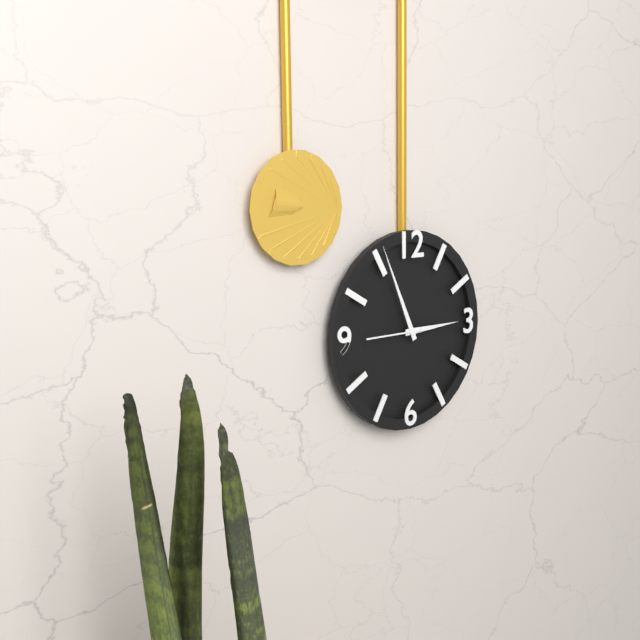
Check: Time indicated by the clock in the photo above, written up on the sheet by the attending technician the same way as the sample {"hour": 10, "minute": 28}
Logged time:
{"hour": 2, "minute": 56}
